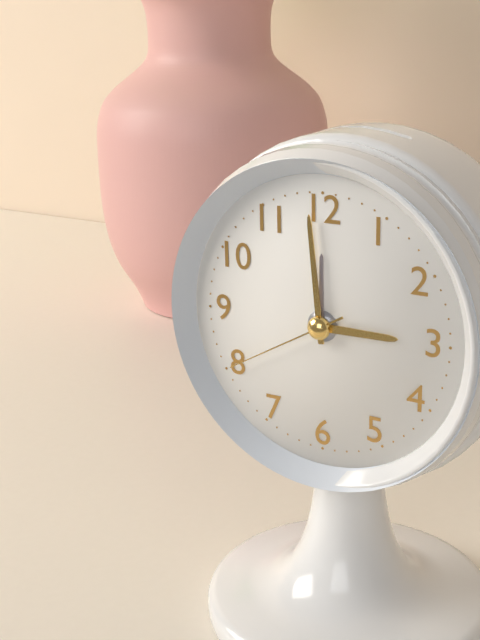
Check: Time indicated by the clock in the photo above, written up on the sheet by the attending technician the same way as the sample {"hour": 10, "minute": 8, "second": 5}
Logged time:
{"hour": 2, "minute": 59, "second": 40}
